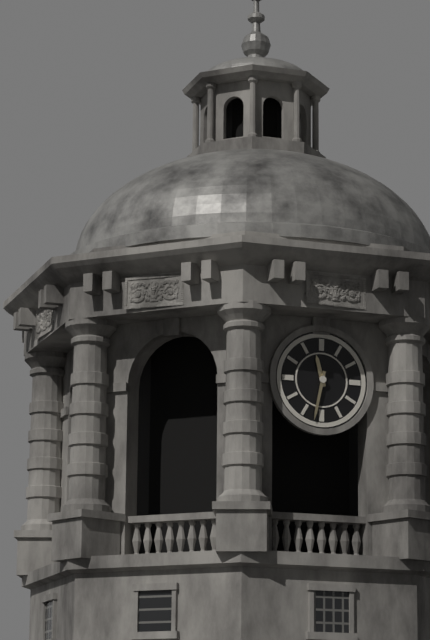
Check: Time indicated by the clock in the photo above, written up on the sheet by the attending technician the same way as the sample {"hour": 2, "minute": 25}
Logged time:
{"hour": 11, "minute": 32}
